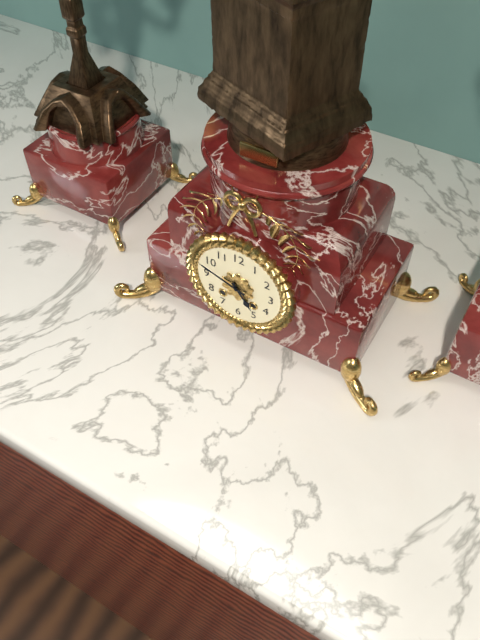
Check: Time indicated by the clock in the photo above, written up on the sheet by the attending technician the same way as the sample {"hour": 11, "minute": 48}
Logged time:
{"hour": 4, "minute": 48}
